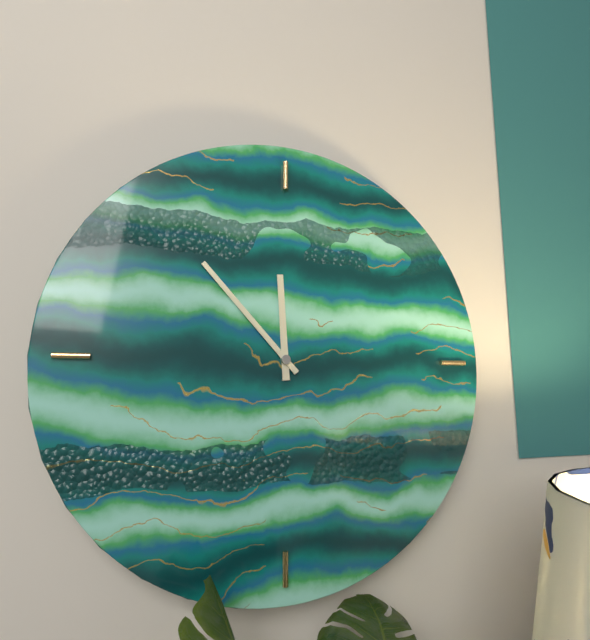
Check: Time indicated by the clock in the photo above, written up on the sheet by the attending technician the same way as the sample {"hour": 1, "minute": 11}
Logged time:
{"hour": 11, "minute": 53}
